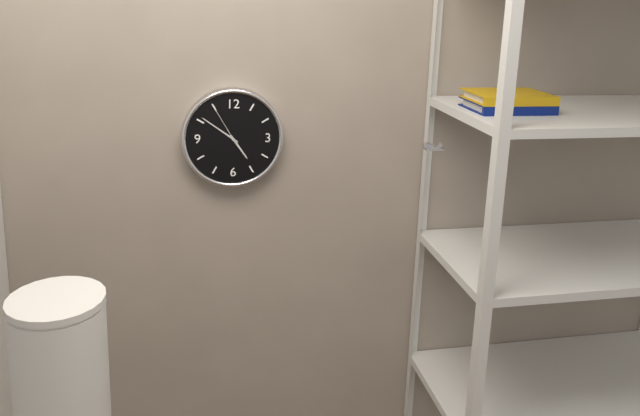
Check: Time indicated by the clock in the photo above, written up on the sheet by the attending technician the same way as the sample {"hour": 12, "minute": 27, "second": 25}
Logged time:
{"hour": 4, "minute": 51, "second": 55}
